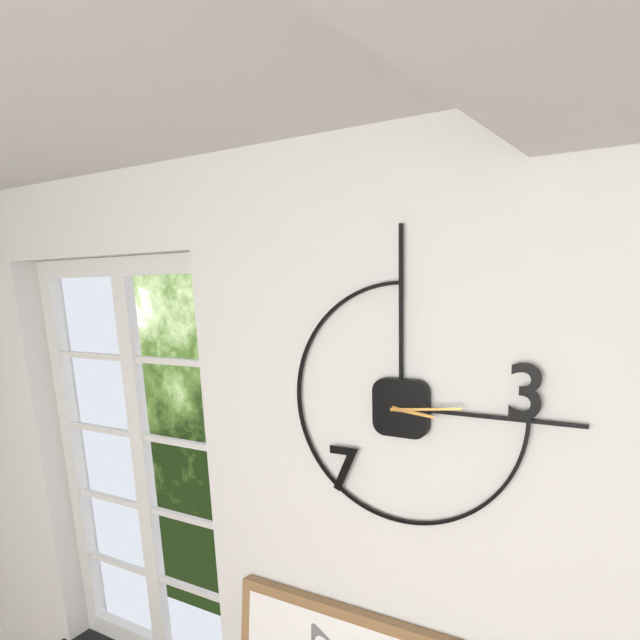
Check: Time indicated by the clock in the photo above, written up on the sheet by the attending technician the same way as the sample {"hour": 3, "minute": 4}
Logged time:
{"hour": 3, "minute": 14}
